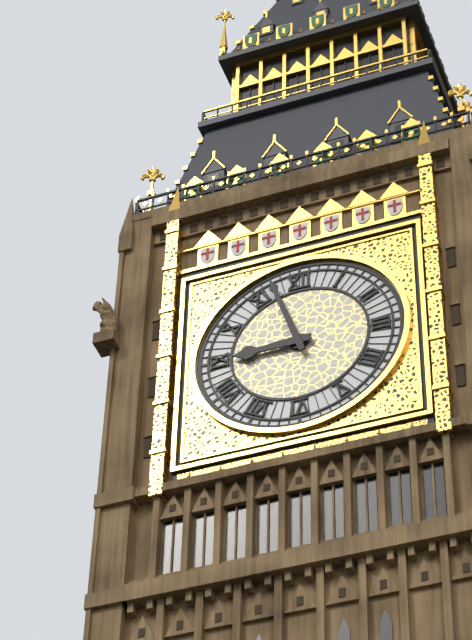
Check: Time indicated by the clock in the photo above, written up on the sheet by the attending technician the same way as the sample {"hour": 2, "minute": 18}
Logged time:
{"hour": 8, "minute": 57}
